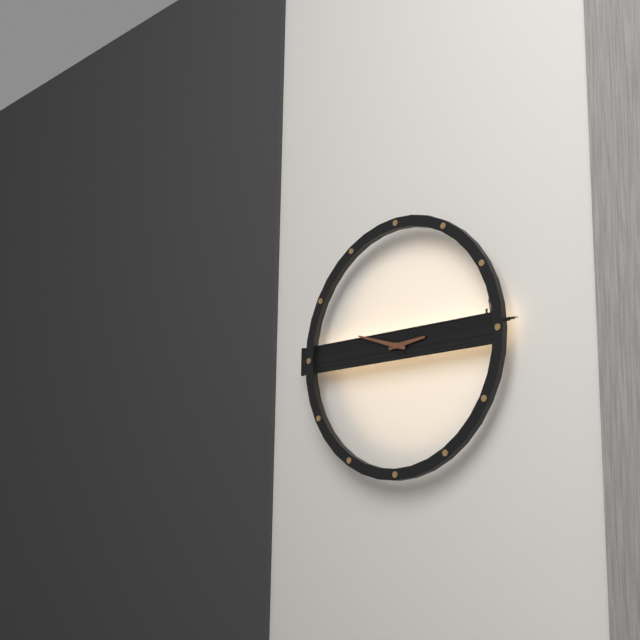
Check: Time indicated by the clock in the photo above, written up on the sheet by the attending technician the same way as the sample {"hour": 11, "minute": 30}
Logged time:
{"hour": 2, "minute": 48}
